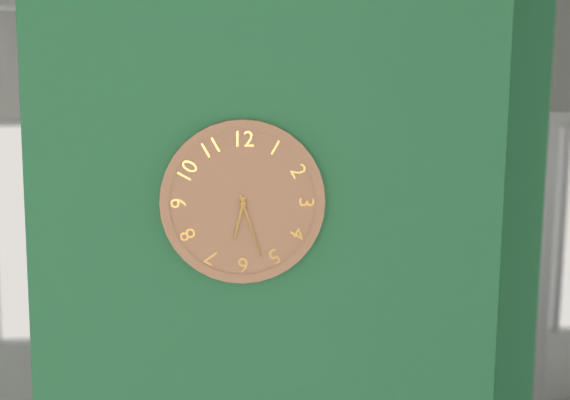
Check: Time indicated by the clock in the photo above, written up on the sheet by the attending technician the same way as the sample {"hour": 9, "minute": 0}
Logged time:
{"hour": 6, "minute": 27}
